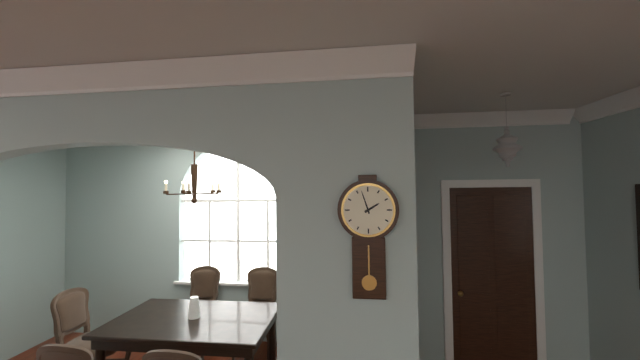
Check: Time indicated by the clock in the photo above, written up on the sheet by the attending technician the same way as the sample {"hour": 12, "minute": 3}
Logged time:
{"hour": 1, "minute": 57}
